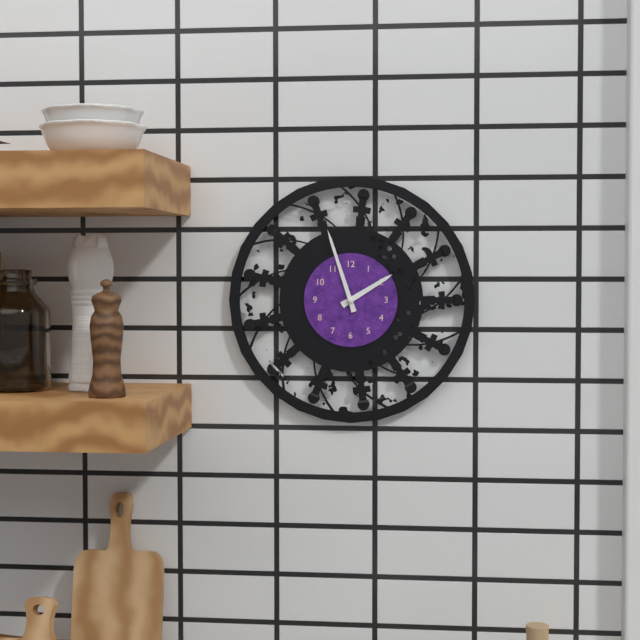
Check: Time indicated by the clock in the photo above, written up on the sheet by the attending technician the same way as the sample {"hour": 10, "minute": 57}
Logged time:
{"hour": 1, "minute": 57}
